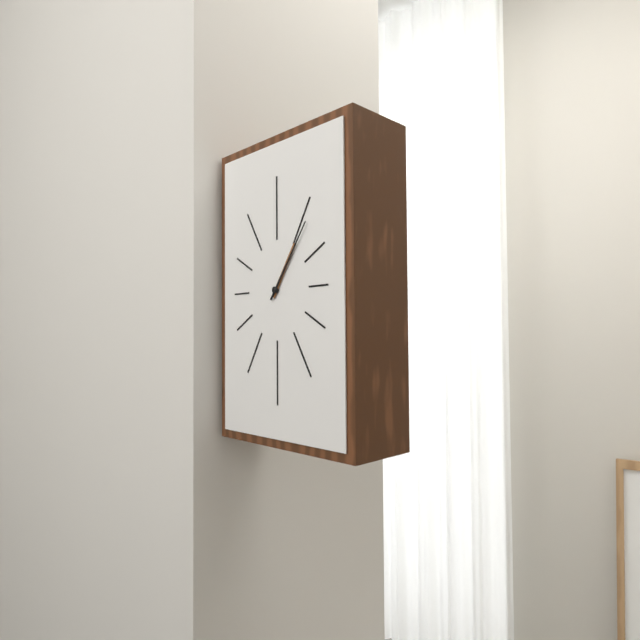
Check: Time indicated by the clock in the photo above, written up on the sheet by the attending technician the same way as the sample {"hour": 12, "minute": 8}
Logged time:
{"hour": 1, "minute": 6}
